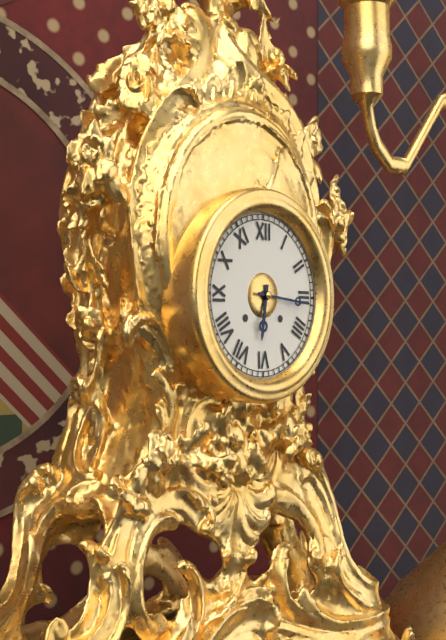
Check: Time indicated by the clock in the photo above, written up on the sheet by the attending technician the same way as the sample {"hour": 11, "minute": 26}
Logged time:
{"hour": 6, "minute": 16}
